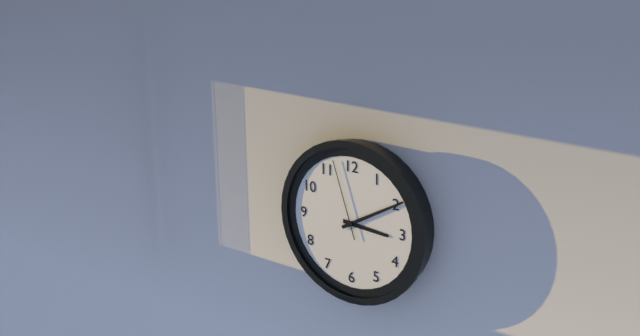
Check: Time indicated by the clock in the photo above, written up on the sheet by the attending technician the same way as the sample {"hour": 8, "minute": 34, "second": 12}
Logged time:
{"hour": 3, "minute": 10, "second": 57}
